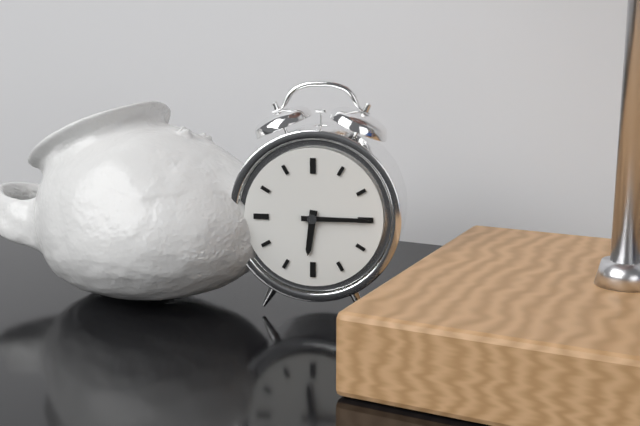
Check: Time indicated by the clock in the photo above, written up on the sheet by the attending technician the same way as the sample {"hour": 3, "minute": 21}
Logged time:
{"hour": 6, "minute": 15}
